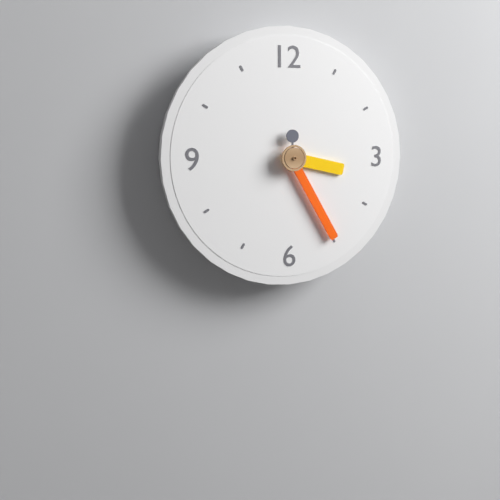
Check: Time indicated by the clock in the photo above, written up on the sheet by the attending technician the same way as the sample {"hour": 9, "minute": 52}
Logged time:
{"hour": 3, "minute": 25}
